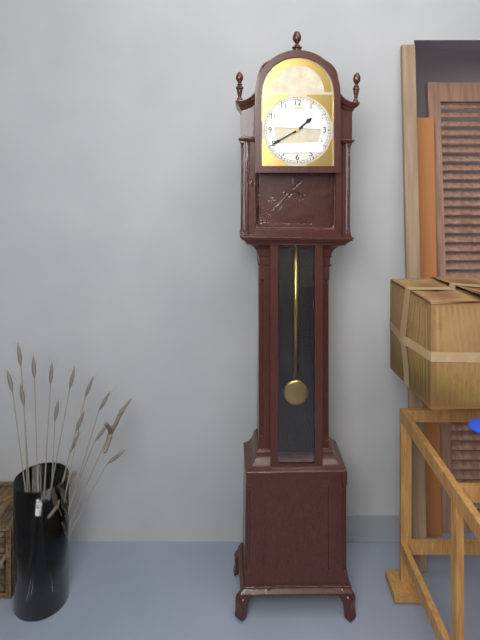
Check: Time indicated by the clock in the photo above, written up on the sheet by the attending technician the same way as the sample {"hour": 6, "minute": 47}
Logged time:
{"hour": 1, "minute": 40}
